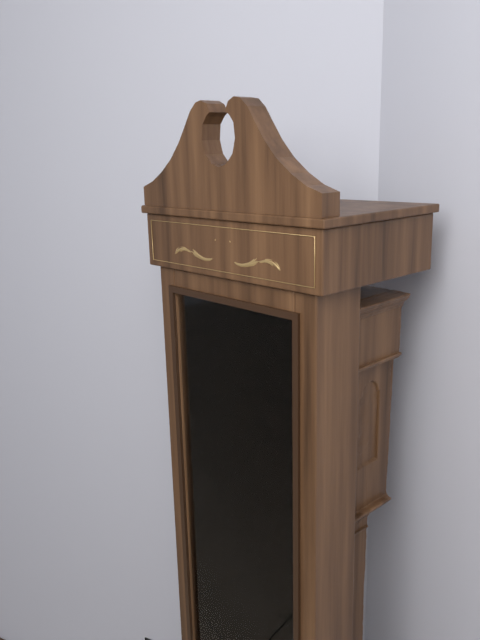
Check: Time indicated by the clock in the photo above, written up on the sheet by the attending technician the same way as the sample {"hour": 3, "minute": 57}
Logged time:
{"hour": 6, "minute": 49}
